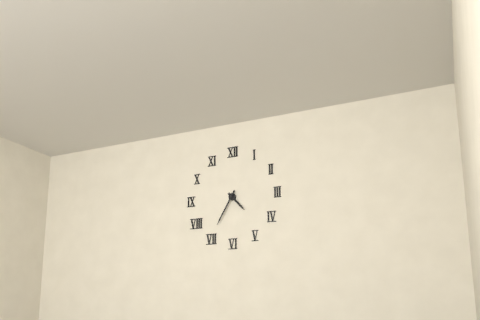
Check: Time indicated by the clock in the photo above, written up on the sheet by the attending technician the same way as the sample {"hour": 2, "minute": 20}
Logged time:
{"hour": 4, "minute": 35}
